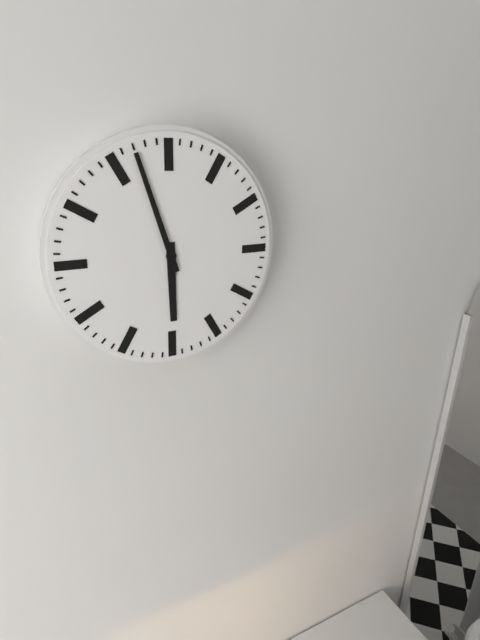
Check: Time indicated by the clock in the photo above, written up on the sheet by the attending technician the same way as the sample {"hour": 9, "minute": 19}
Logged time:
{"hour": 5, "minute": 57}
